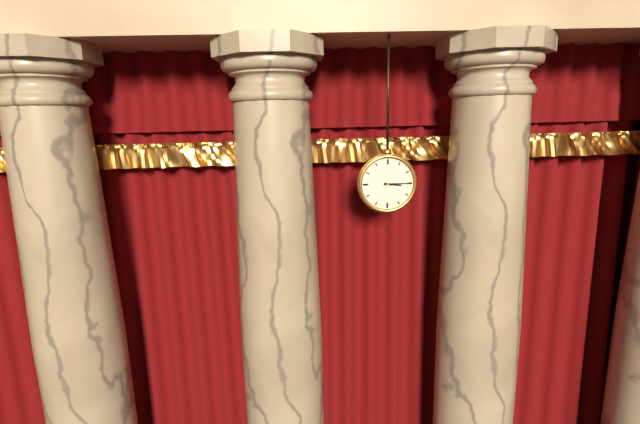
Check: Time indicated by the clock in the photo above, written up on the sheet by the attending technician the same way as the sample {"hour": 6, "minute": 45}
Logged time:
{"hour": 3, "minute": 15}
